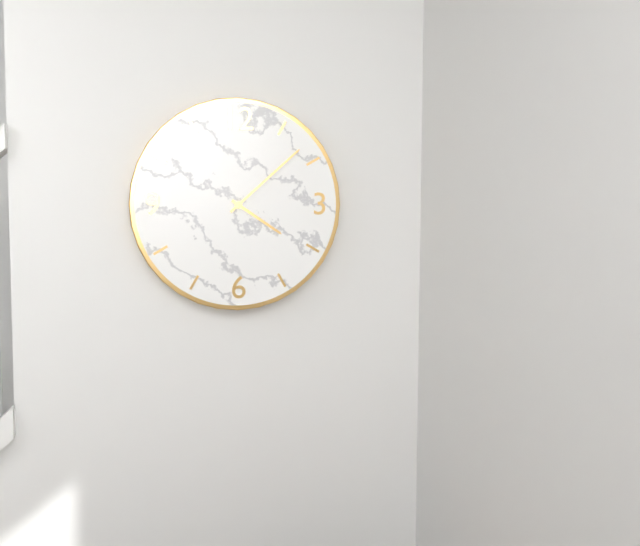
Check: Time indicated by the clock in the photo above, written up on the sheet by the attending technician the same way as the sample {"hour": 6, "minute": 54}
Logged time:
{"hour": 4, "minute": 8}
